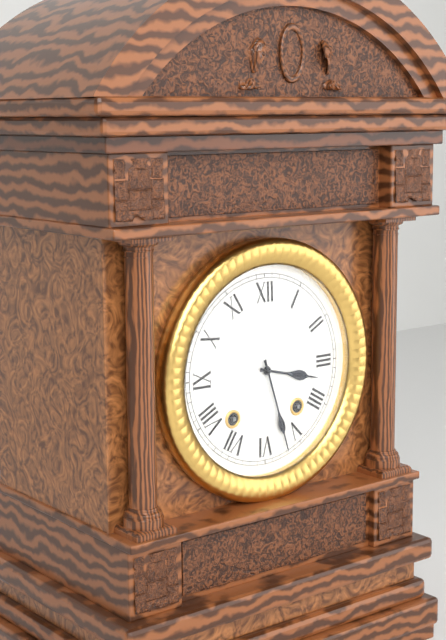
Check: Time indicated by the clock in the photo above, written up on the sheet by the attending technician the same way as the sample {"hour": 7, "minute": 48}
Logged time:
{"hour": 3, "minute": 27}
